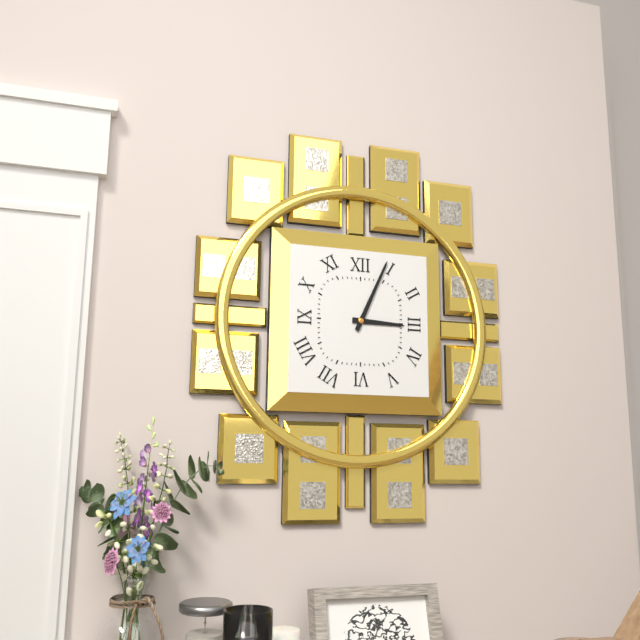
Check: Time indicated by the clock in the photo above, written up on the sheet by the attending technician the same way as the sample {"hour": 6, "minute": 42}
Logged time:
{"hour": 3, "minute": 4}
